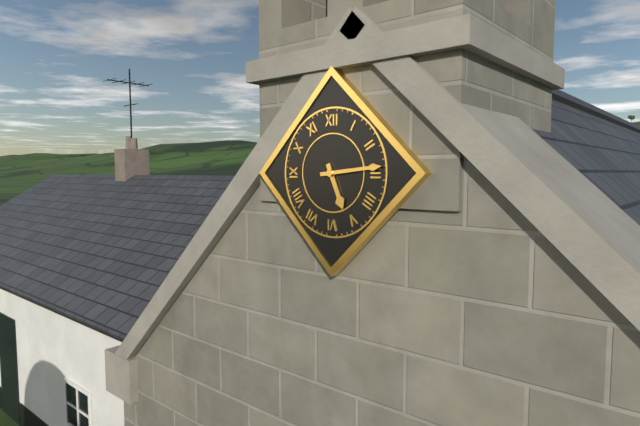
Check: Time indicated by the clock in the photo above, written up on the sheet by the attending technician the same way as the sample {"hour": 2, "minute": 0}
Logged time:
{"hour": 5, "minute": 14}
